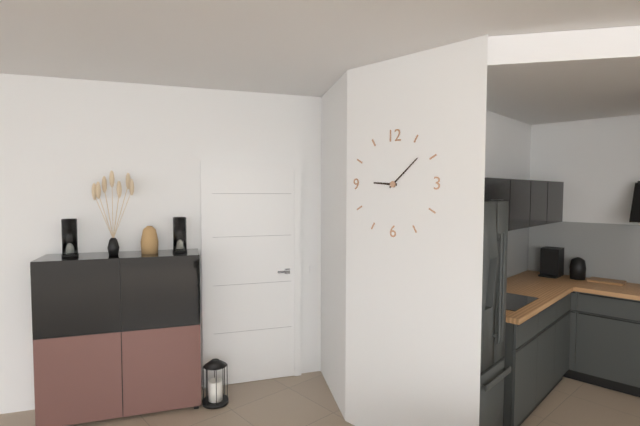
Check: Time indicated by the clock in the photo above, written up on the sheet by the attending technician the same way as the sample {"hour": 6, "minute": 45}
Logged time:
{"hour": 9, "minute": 8}
